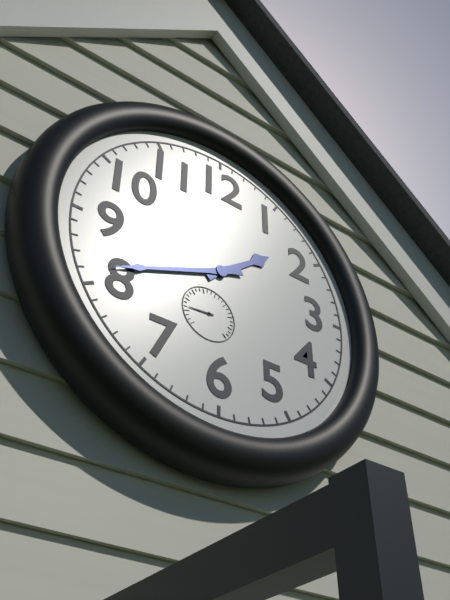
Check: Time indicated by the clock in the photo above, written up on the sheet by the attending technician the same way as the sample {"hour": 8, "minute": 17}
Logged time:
{"hour": 1, "minute": 41}
